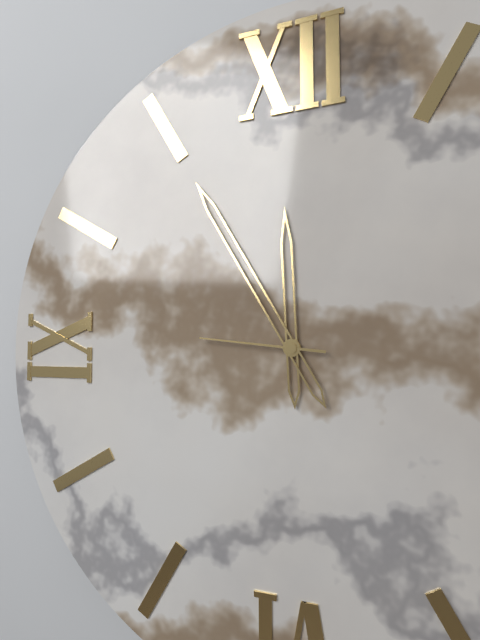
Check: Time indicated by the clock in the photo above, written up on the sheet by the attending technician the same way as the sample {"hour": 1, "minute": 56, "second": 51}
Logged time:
{"hour": 11, "minute": 55, "second": 46}
